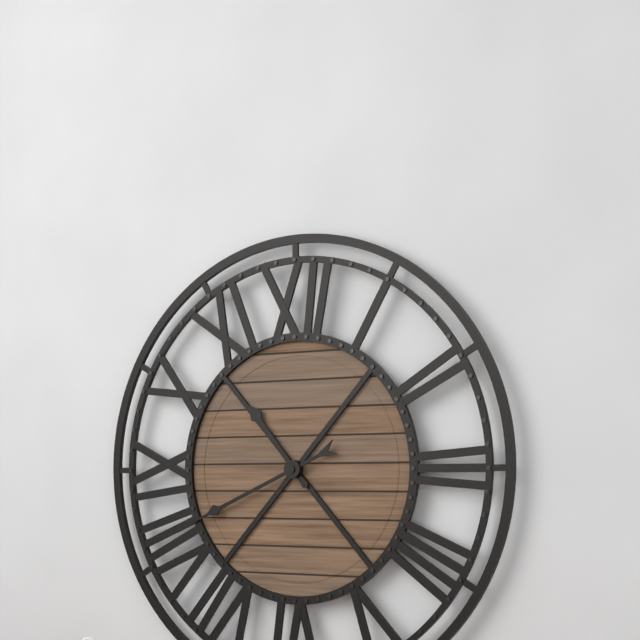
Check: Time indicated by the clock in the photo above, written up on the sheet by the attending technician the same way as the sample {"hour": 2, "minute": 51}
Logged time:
{"hour": 10, "minute": 41}
